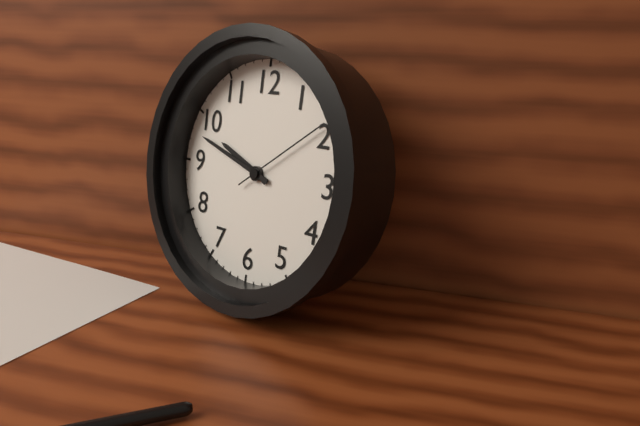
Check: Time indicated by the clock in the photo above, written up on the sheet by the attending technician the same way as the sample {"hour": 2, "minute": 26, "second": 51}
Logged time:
{"hour": 9, "minute": 48, "second": 9}
